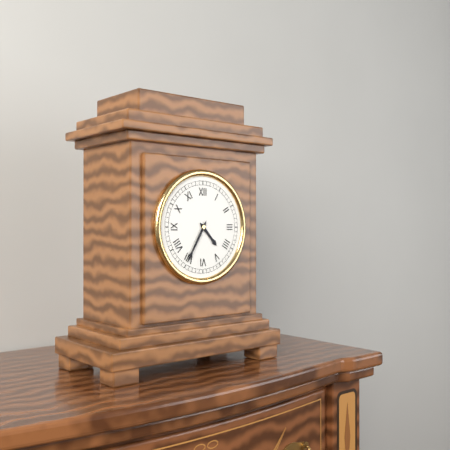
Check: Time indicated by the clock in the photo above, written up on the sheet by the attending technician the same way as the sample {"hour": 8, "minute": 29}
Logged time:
{"hour": 4, "minute": 35}
